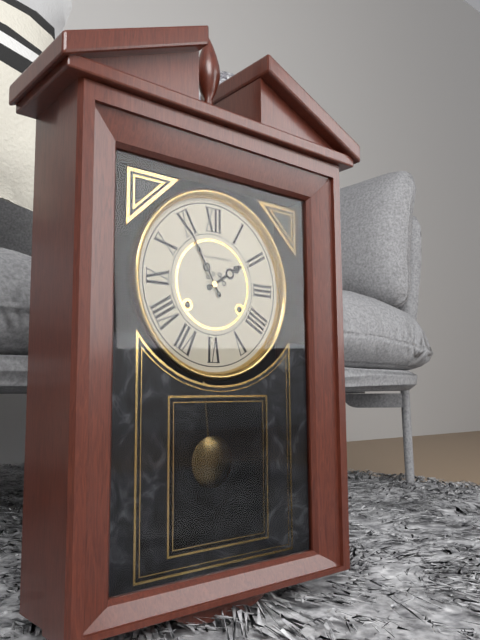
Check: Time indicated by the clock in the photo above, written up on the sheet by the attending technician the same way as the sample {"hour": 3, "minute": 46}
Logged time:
{"hour": 1, "minute": 55}
